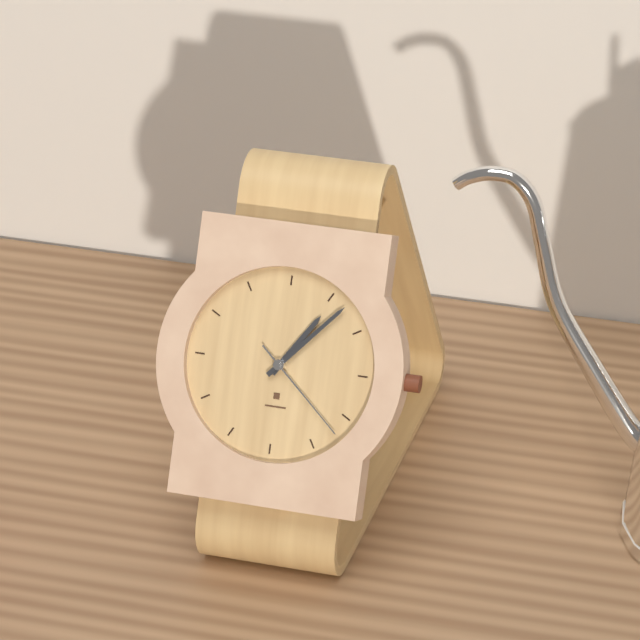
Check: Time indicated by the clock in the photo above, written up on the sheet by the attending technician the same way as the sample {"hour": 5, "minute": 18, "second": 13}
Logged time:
{"hour": 1, "minute": 7, "second": 22}
